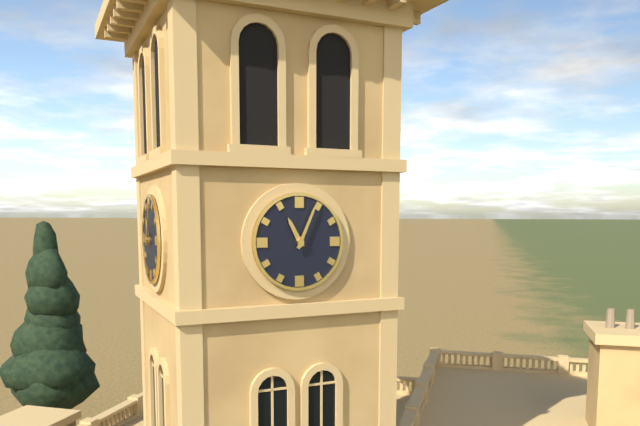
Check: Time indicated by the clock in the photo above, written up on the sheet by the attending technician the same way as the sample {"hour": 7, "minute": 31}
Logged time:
{"hour": 11, "minute": 4}
